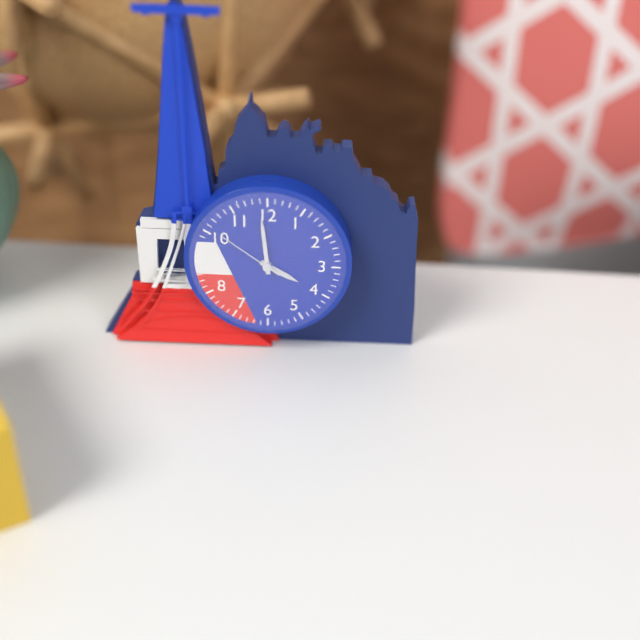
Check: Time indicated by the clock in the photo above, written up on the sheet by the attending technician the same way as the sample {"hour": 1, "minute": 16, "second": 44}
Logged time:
{"hour": 3, "minute": 59, "second": 51}
